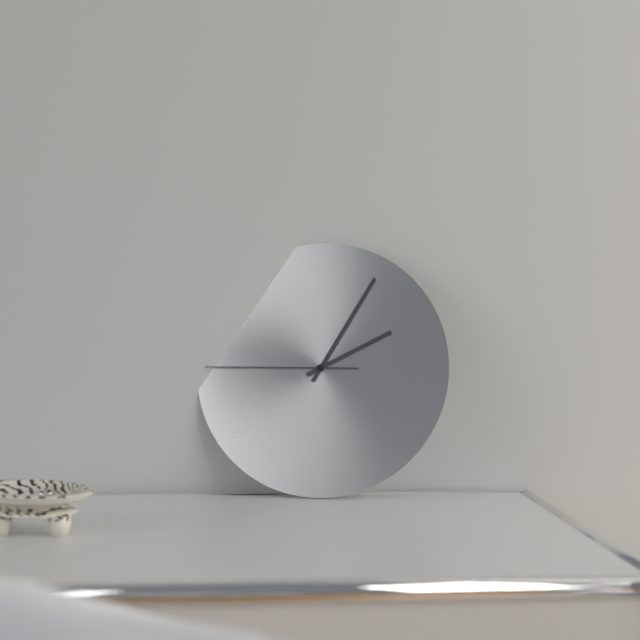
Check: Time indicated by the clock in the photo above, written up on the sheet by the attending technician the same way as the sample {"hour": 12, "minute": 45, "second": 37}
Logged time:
{"hour": 2, "minute": 5, "second": 45}
